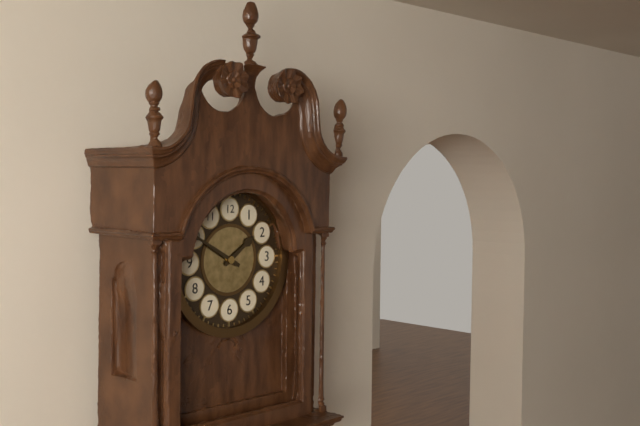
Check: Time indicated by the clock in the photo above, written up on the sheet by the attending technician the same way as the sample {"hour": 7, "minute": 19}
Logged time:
{"hour": 1, "minute": 50}
